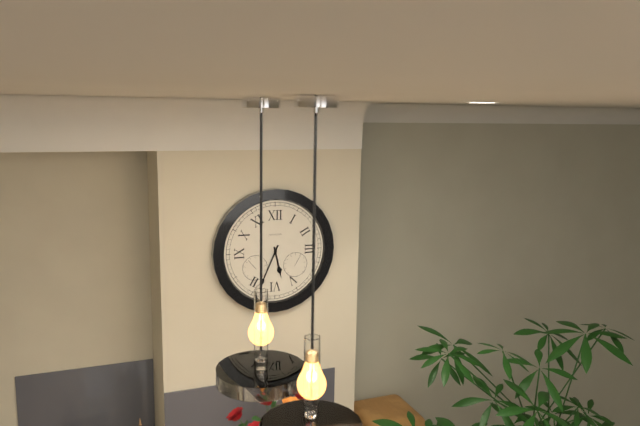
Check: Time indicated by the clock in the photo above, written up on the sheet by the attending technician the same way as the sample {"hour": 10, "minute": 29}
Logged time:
{"hour": 5, "minute": 34}
